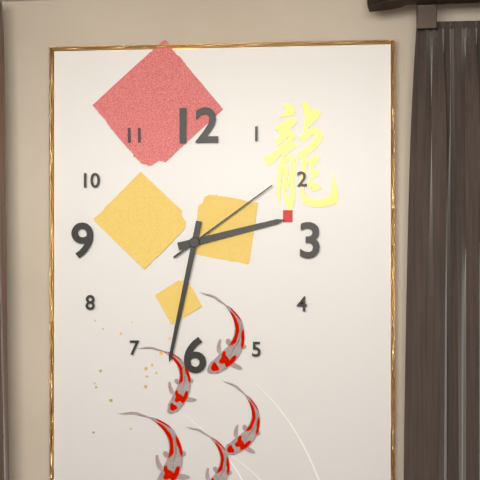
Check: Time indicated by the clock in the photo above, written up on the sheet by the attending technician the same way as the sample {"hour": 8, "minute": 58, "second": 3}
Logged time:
{"hour": 2, "minute": 32, "second": 9}
